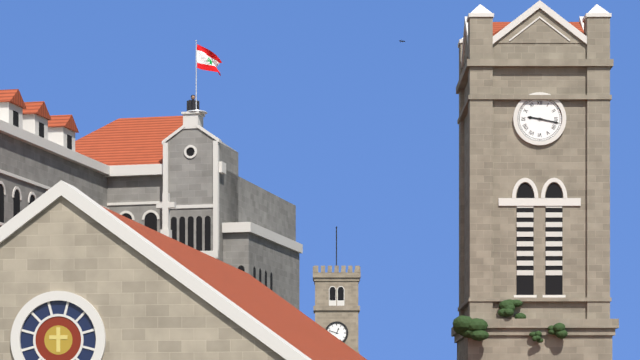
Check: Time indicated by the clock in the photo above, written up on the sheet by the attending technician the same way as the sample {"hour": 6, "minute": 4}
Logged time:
{"hour": 9, "minute": 17}
